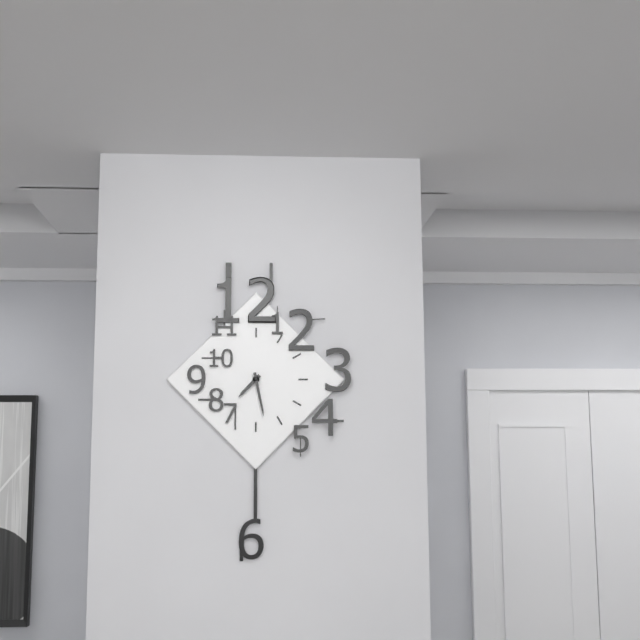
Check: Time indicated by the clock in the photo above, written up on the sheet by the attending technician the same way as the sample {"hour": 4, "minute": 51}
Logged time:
{"hour": 7, "minute": 28}
